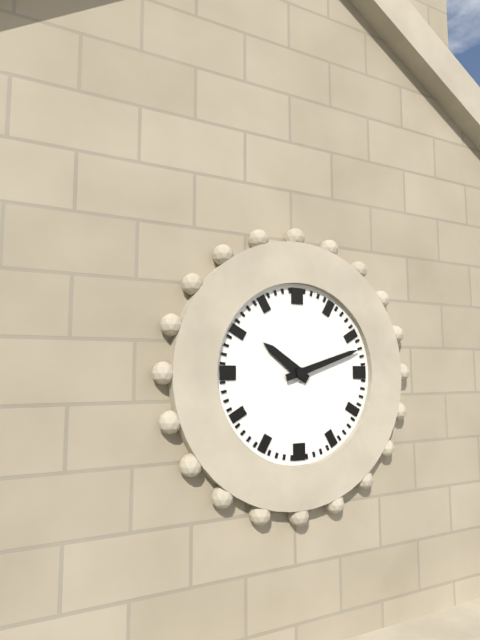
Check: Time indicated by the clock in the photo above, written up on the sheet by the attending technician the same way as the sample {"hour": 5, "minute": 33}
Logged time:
{"hour": 10, "minute": 12}
